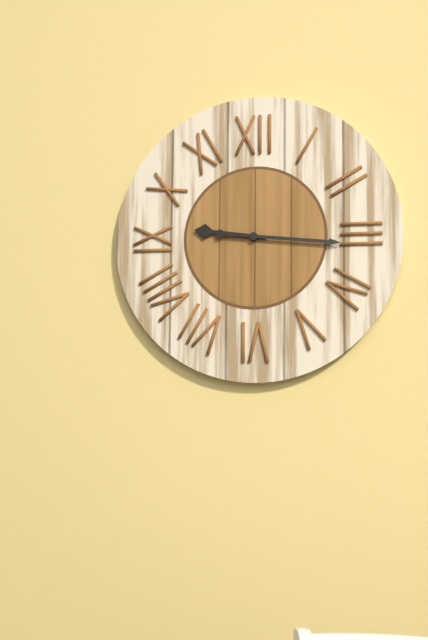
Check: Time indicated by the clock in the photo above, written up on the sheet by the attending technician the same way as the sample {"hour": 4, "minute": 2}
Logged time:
{"hour": 9, "minute": 16}
